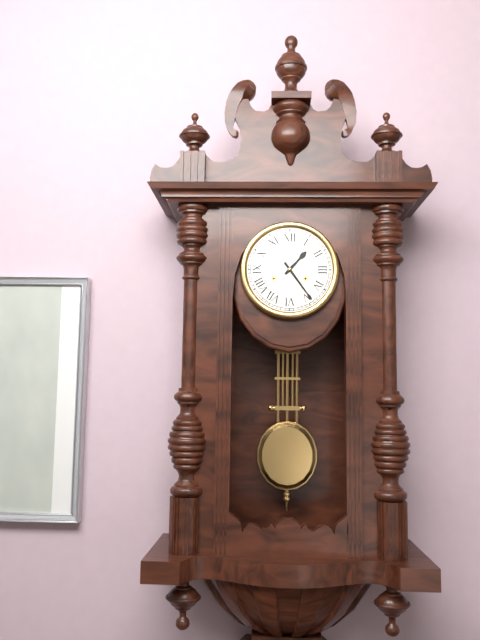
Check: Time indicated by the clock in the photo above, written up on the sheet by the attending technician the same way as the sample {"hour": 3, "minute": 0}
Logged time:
{"hour": 1, "minute": 24}
